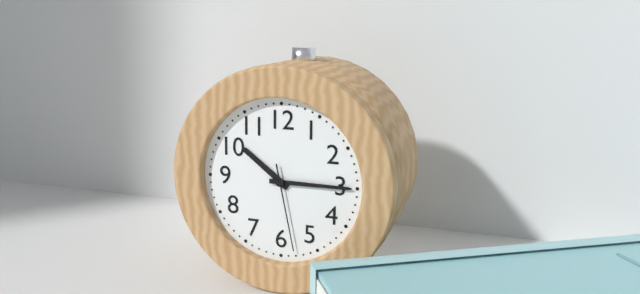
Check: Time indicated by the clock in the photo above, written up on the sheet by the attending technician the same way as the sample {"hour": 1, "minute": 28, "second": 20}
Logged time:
{"hour": 10, "minute": 15, "second": 28}
